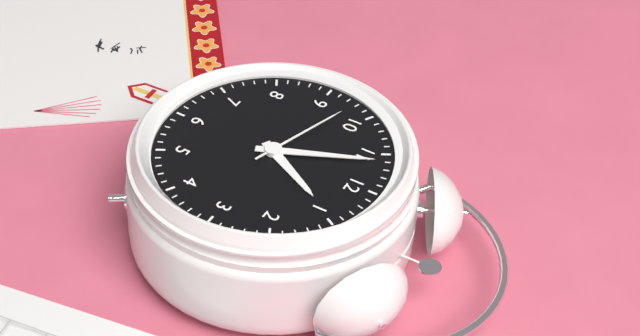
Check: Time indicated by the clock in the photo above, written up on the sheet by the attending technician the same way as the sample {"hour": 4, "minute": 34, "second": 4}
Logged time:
{"hour": 12, "minute": 56, "second": 48}
